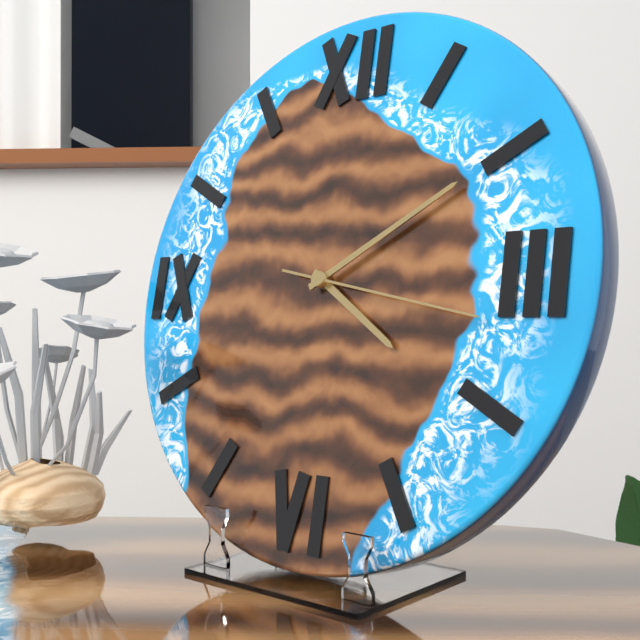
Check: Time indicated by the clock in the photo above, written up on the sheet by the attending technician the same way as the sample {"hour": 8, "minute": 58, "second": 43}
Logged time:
{"hour": 4, "minute": 10, "second": 17}
